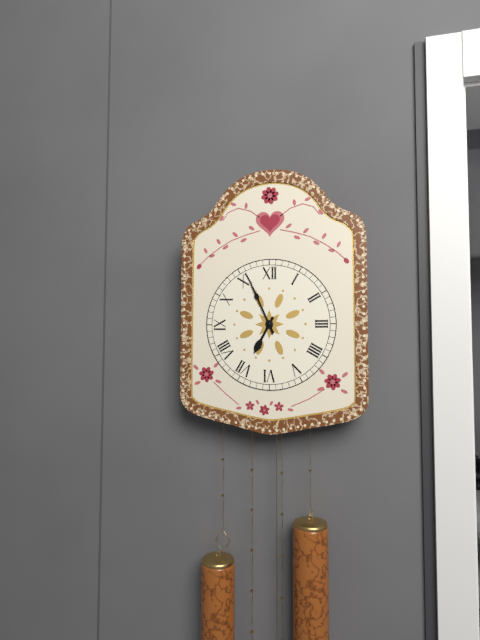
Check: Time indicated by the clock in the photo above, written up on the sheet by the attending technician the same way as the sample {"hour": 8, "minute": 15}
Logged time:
{"hour": 6, "minute": 56}
